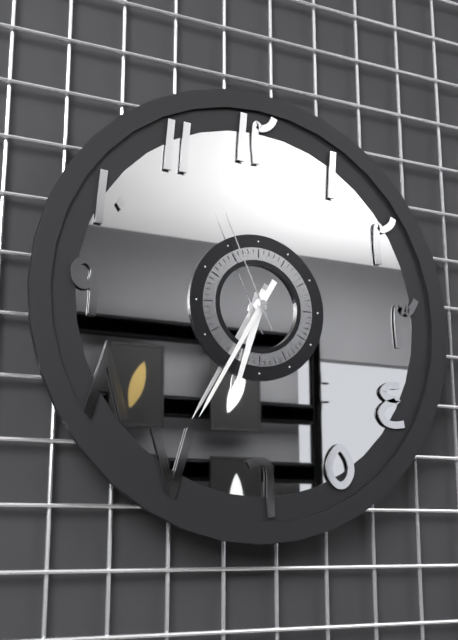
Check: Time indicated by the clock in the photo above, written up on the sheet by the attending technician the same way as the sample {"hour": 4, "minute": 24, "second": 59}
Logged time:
{"hour": 6, "minute": 35, "second": 56}
